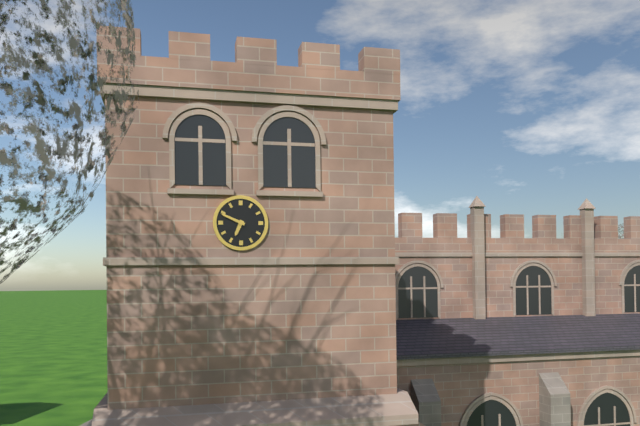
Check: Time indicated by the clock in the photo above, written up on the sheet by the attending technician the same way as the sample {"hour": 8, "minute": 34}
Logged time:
{"hour": 6, "minute": 49}
